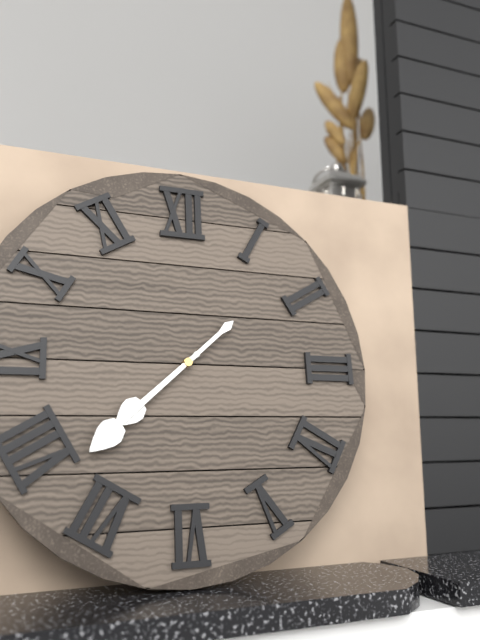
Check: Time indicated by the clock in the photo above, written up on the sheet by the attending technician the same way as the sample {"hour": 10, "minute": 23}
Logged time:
{"hour": 7, "minute": 38}
